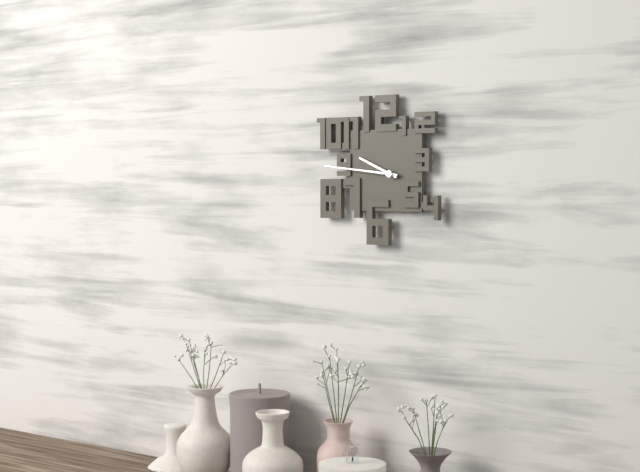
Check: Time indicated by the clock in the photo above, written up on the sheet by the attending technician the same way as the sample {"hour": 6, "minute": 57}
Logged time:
{"hour": 9, "minute": 46}
